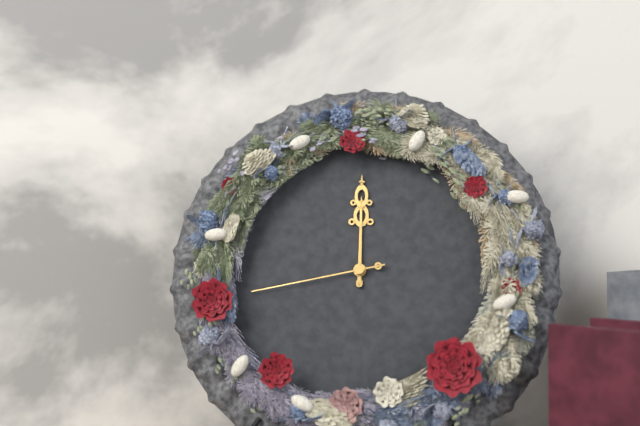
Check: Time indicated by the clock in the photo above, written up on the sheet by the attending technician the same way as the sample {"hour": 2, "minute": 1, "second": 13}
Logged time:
{"hour": 12, "minute": 0, "second": 43}
